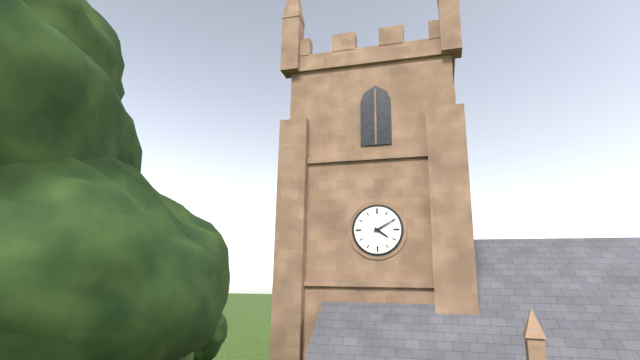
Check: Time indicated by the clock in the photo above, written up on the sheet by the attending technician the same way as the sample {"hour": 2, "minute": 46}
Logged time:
{"hour": 4, "minute": 10}
